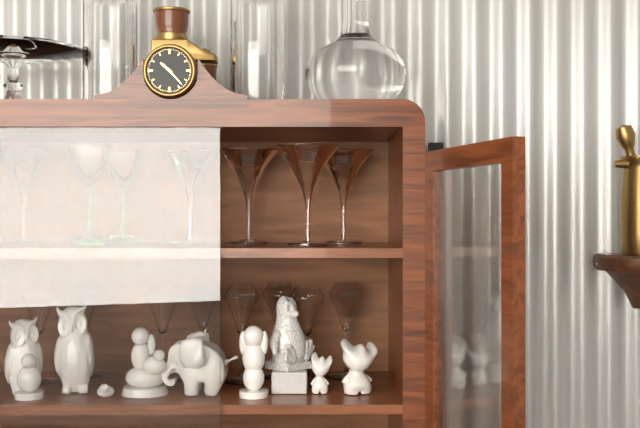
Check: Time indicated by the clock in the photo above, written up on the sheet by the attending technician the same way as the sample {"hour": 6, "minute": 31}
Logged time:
{"hour": 10, "minute": 23}
